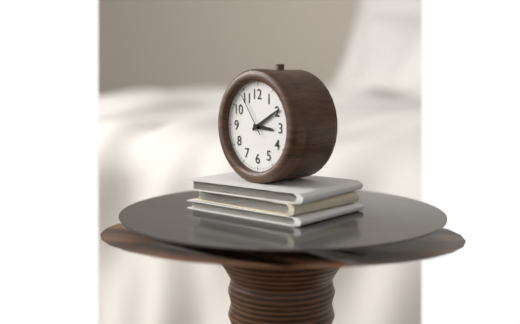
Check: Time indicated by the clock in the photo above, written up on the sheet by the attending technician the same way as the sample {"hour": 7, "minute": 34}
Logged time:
{"hour": 3, "minute": 10}
